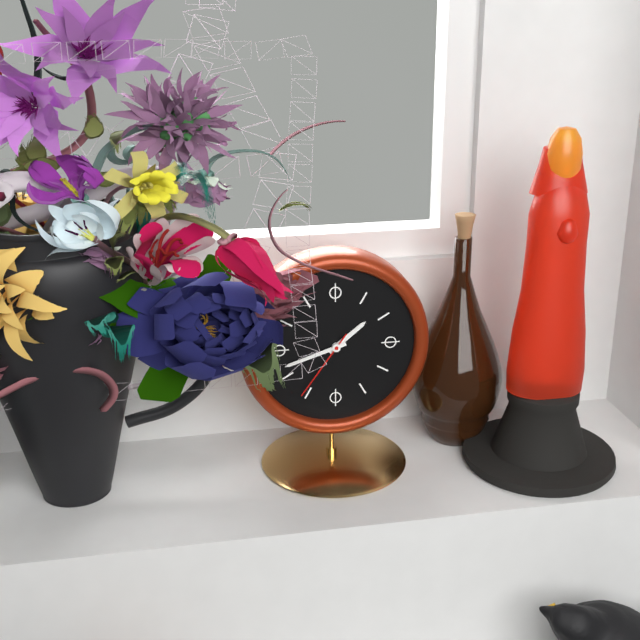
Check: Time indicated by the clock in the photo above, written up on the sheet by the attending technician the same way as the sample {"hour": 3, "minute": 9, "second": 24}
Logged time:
{"hour": 1, "minute": 42, "second": 36}
